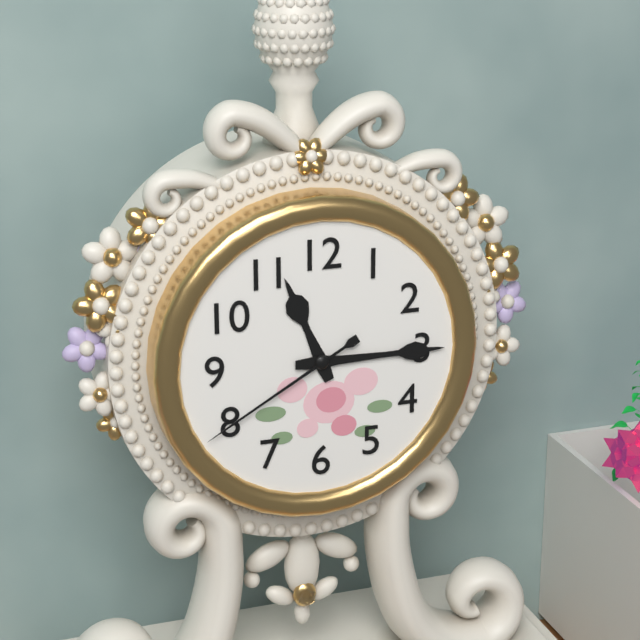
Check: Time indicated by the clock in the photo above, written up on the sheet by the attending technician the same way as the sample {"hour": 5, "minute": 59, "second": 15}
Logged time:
{"hour": 11, "minute": 15, "second": 40}
